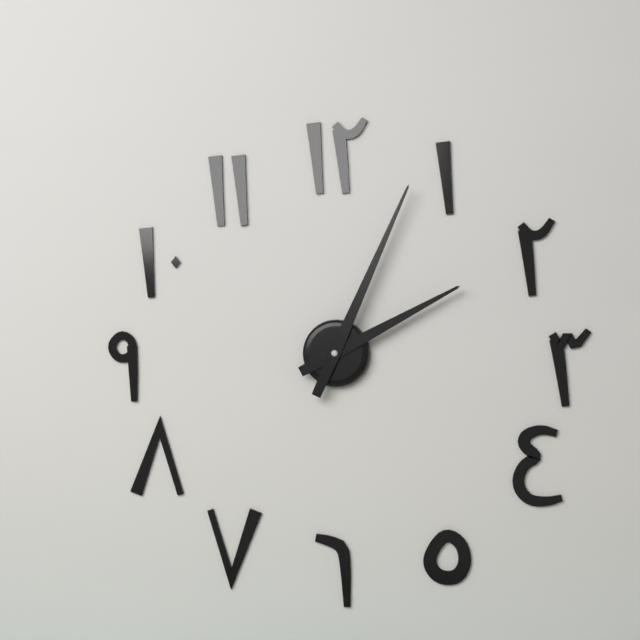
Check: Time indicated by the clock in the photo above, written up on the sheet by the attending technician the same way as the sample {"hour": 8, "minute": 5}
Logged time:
{"hour": 2, "minute": 4}
